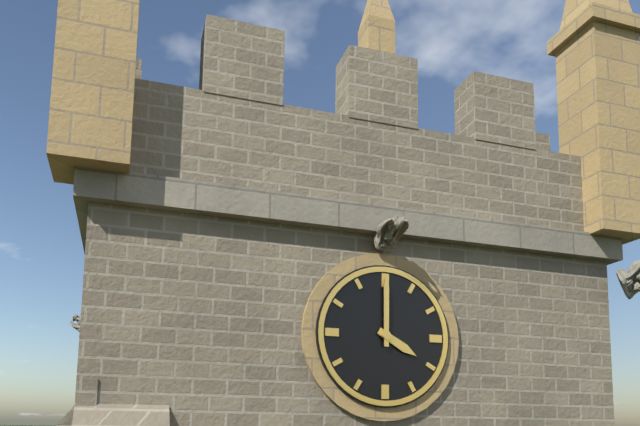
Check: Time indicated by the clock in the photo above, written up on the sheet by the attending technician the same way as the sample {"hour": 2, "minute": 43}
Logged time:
{"hour": 4, "minute": 0}
